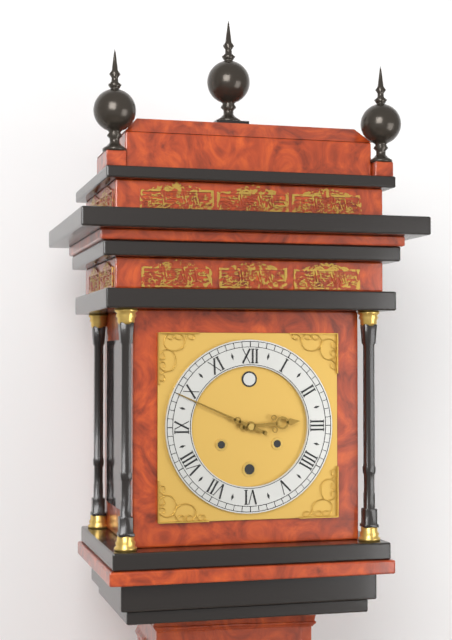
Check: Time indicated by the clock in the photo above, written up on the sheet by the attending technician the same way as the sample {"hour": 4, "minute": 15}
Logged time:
{"hour": 2, "minute": 49}
